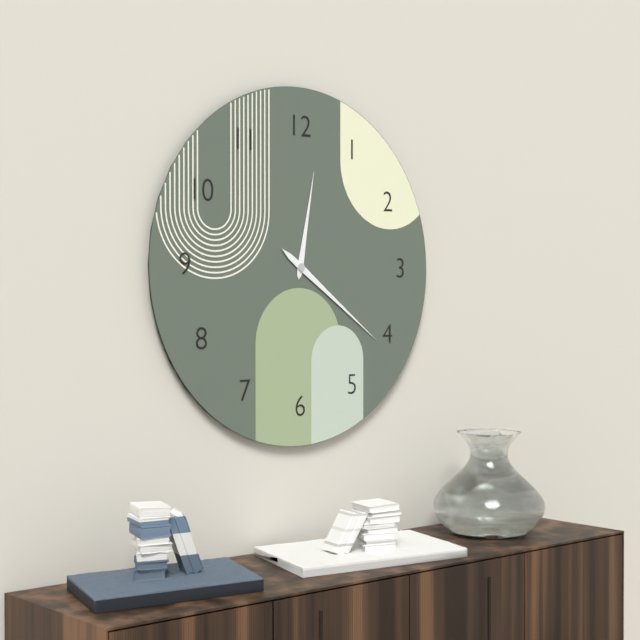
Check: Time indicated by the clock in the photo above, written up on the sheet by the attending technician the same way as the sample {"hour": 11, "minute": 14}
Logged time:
{"hour": 12, "minute": 21}
